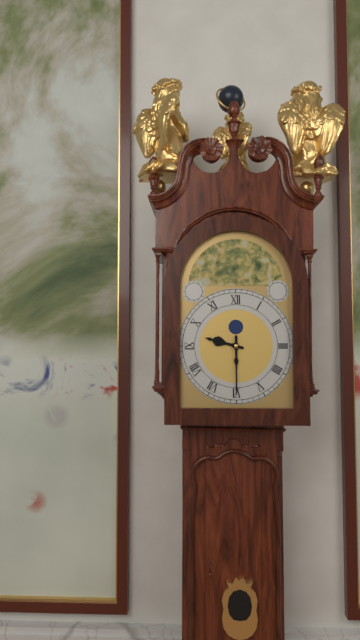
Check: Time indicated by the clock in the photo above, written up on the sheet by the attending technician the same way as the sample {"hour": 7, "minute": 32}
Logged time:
{"hour": 9, "minute": 30}
